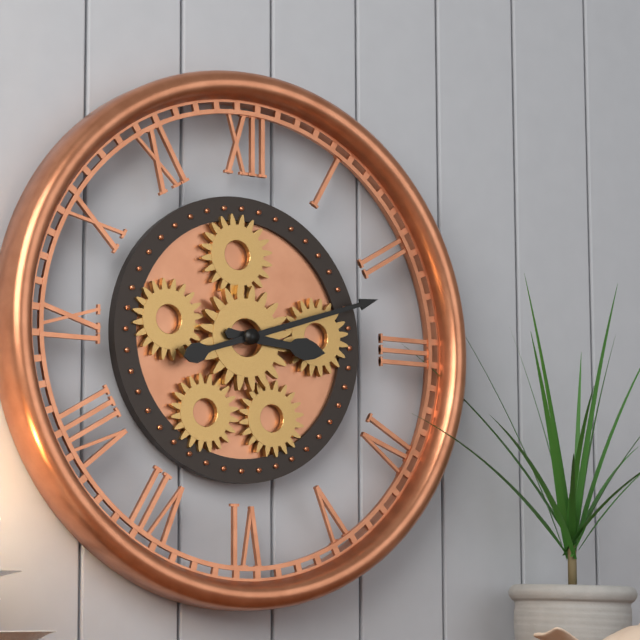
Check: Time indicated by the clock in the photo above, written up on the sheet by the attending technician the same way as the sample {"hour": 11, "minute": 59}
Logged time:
{"hour": 3, "minute": 12}
